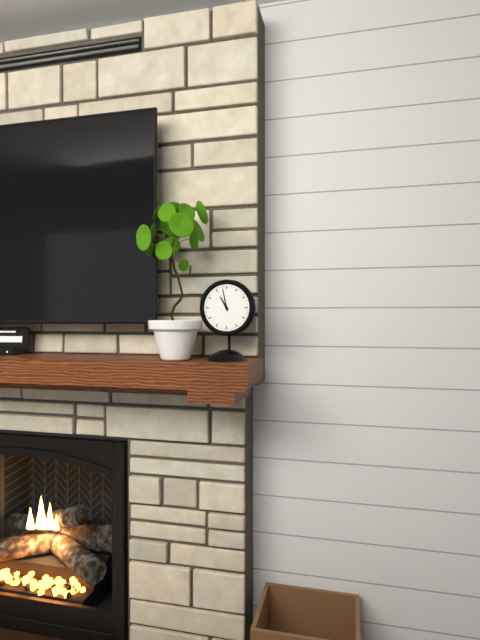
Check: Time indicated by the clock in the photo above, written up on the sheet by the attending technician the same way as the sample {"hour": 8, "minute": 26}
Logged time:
{"hour": 10, "minute": 58}
